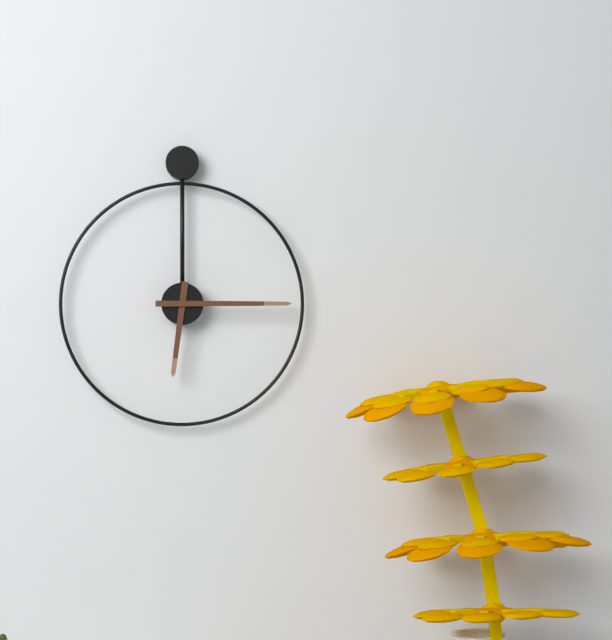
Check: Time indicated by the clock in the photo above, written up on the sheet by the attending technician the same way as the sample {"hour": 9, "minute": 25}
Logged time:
{"hour": 6, "minute": 15}
